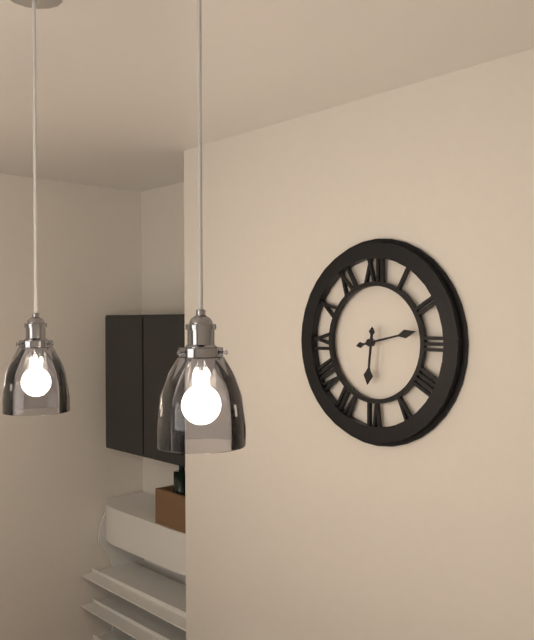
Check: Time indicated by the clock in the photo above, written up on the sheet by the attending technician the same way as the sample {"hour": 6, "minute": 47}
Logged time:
{"hour": 6, "minute": 13}
